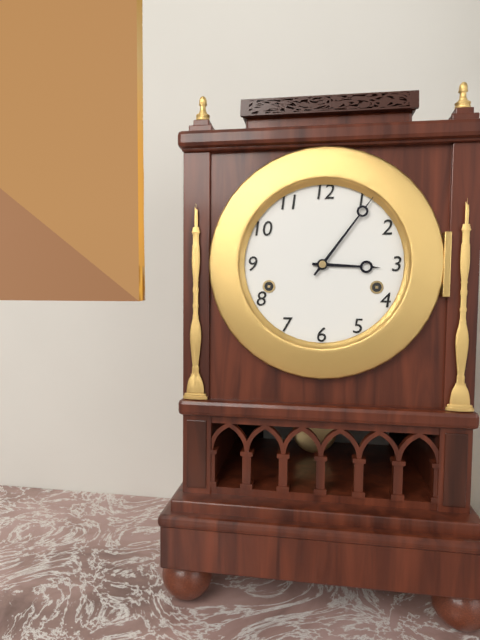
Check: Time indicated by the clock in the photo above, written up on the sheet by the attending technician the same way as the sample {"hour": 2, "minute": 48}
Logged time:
{"hour": 3, "minute": 6}
